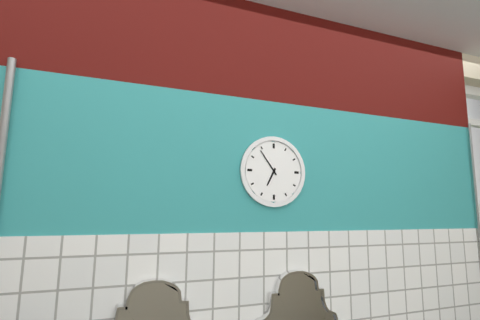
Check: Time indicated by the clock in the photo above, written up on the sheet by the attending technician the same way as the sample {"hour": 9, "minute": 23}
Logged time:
{"hour": 6, "minute": 54}
